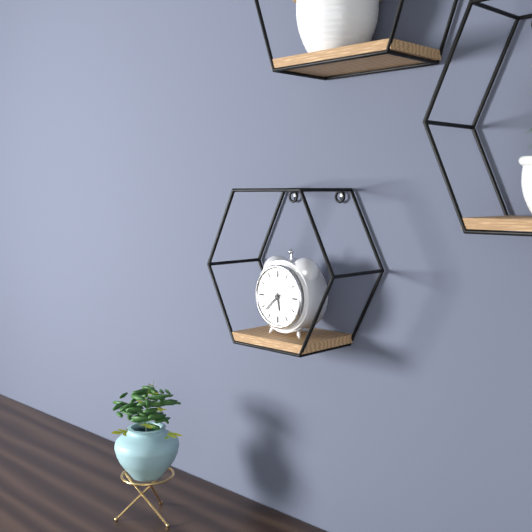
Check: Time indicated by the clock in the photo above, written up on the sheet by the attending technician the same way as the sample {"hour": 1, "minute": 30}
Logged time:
{"hour": 5, "minute": 38}
